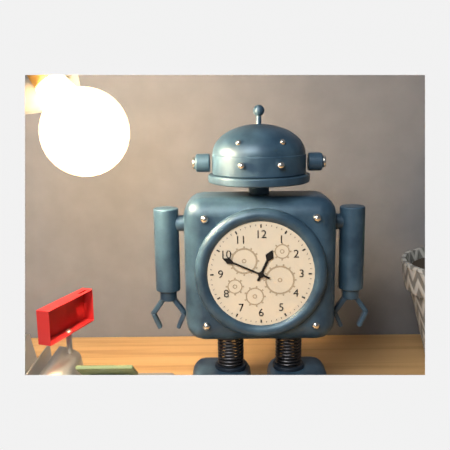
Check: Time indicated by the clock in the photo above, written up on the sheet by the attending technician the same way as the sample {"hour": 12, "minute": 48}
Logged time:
{"hour": 12, "minute": 49}
